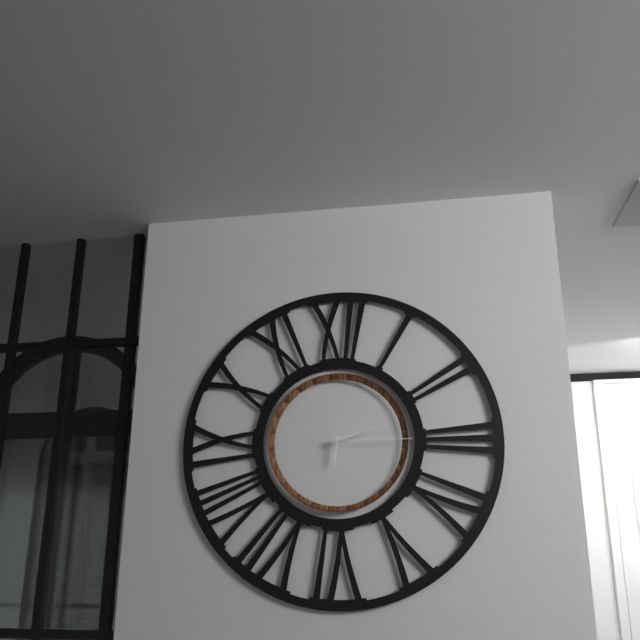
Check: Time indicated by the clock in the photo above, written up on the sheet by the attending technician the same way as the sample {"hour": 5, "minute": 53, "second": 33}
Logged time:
{"hour": 6, "minute": 12, "second": 15}
